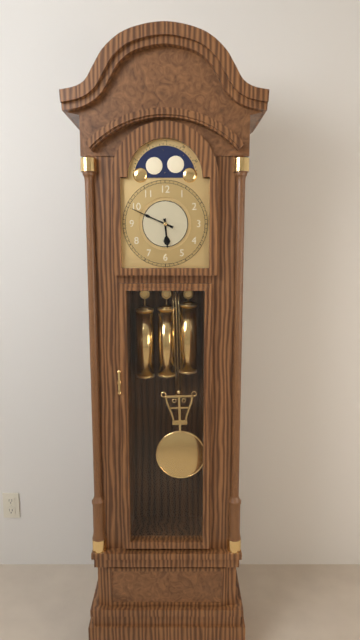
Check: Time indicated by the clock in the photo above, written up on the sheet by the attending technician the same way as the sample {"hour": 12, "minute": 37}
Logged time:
{"hour": 5, "minute": 49}
